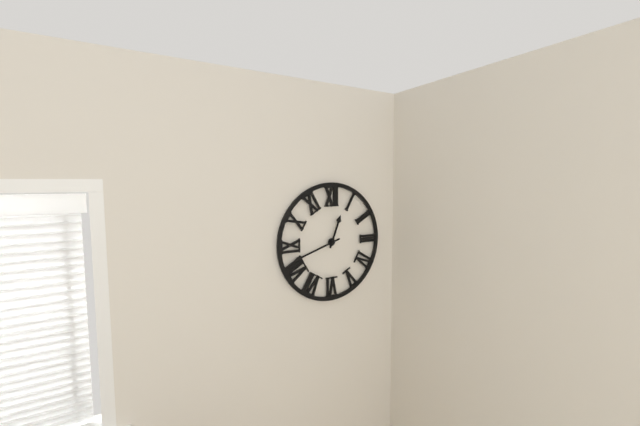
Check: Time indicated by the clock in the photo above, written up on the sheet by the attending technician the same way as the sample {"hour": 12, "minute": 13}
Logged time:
{"hour": 12, "minute": 42}
